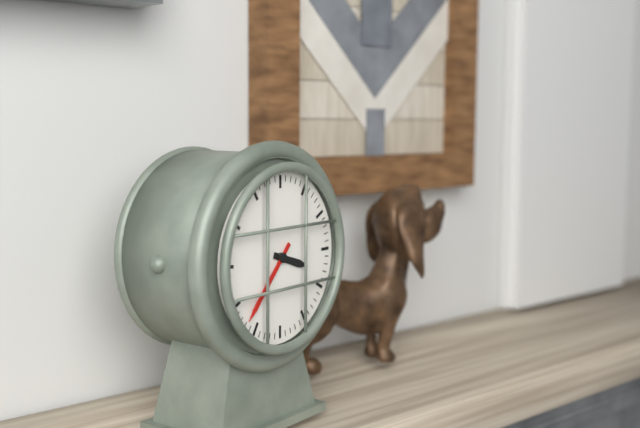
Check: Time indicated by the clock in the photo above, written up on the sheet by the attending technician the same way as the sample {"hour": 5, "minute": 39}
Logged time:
{"hour": 3, "minute": 37}
